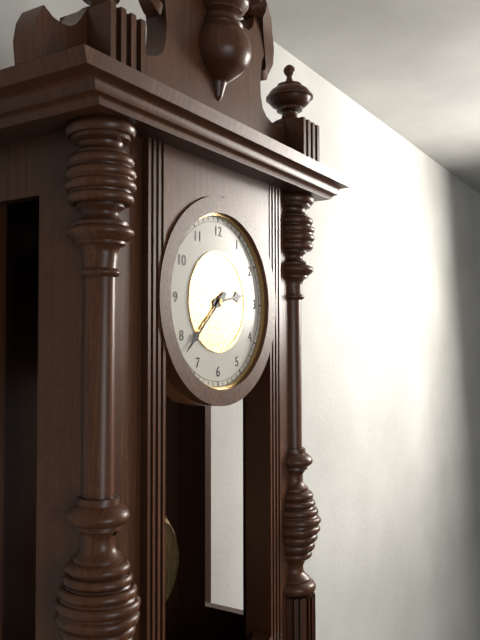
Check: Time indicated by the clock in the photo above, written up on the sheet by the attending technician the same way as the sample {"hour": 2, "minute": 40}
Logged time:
{"hour": 2, "minute": 38}
